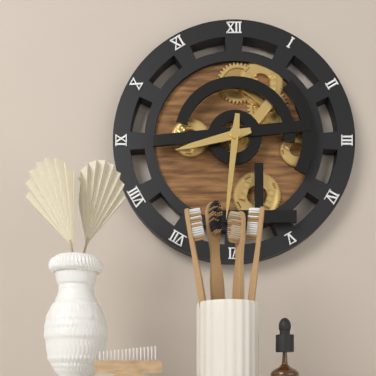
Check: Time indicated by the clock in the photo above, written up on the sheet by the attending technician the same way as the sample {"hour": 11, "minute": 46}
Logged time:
{"hour": 8, "minute": 31}
